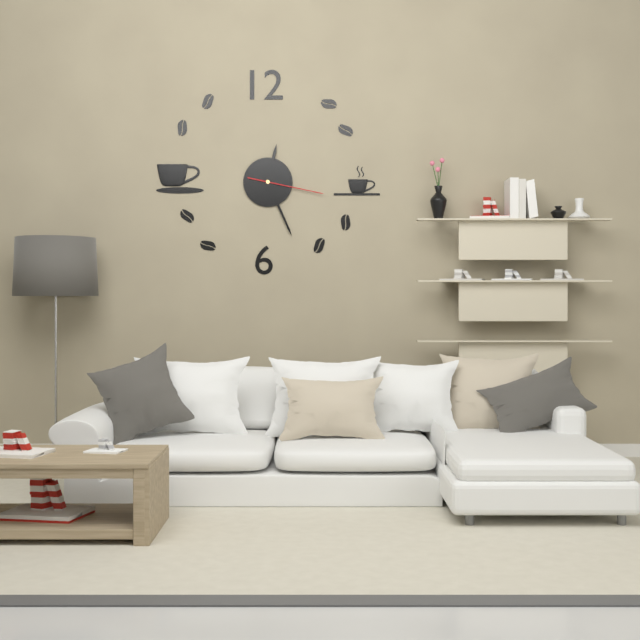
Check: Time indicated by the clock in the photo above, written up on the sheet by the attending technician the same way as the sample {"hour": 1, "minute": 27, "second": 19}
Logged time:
{"hour": 12, "minute": 26, "second": 17}
